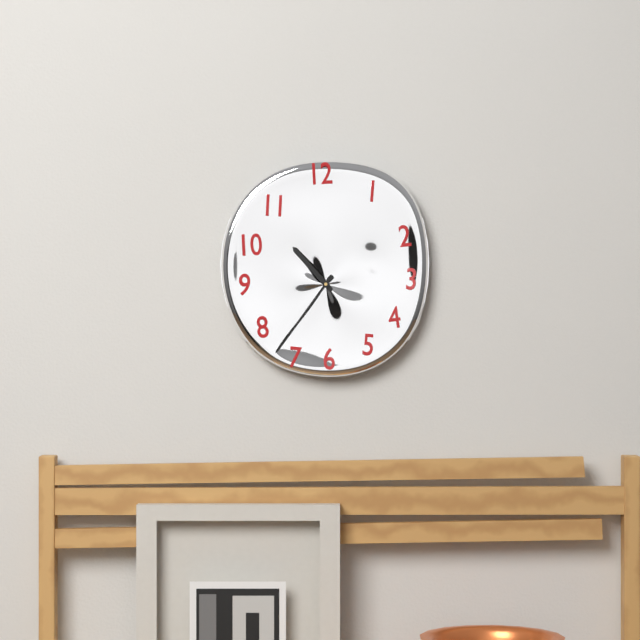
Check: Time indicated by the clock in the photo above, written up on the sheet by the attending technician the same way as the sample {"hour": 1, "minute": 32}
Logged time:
{"hour": 10, "minute": 36}
